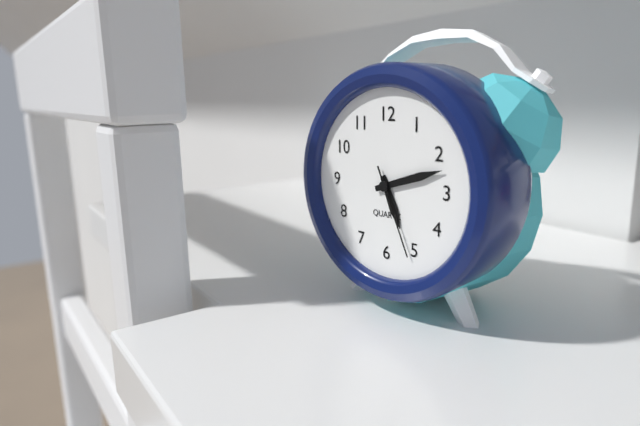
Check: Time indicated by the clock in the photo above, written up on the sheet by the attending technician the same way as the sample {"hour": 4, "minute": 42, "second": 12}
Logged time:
{"hour": 5, "minute": 12, "second": 26}
